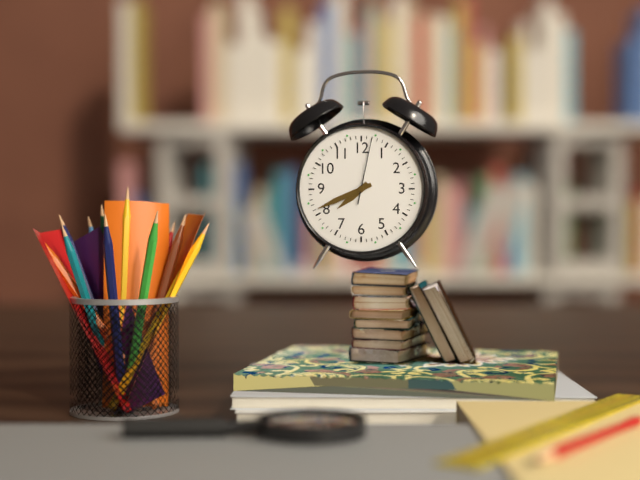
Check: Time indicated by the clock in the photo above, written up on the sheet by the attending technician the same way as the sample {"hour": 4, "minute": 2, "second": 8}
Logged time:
{"hour": 7, "minute": 41, "second": 2}
